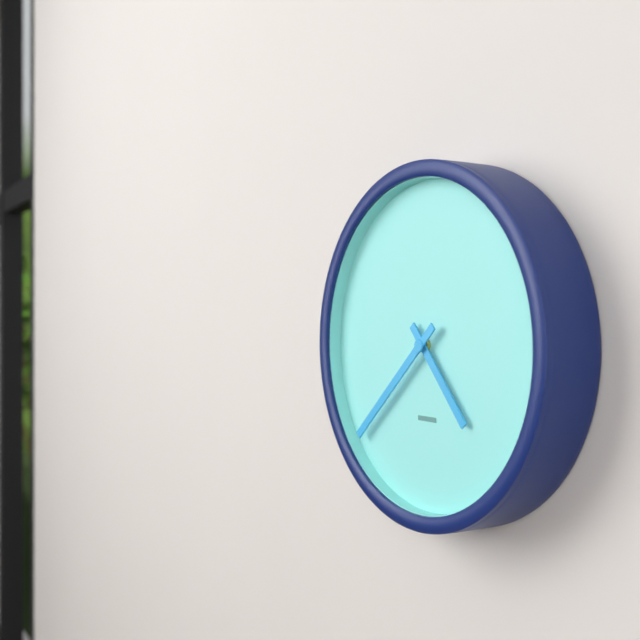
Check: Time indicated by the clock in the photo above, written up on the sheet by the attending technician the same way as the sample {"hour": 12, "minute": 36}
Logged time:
{"hour": 4, "minute": 38}
